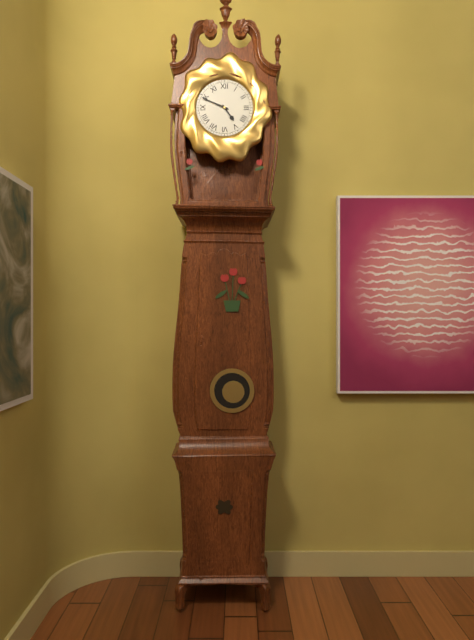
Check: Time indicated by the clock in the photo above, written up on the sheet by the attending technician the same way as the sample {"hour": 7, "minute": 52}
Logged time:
{"hour": 4, "minute": 49}
